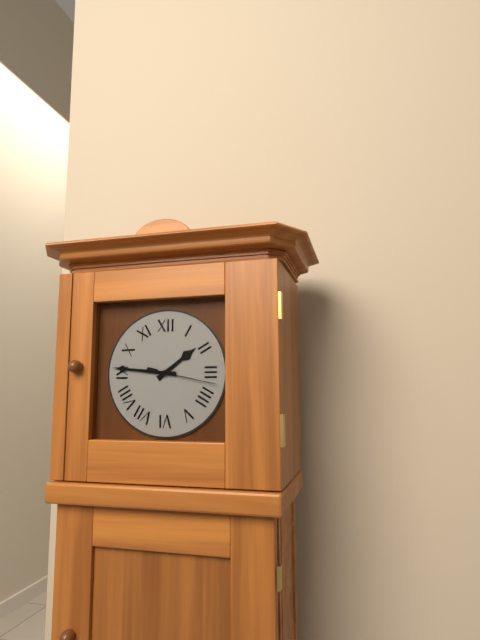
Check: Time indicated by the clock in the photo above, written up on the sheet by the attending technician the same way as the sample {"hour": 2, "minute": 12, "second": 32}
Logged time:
{"hour": 1, "minute": 46, "second": 17}
